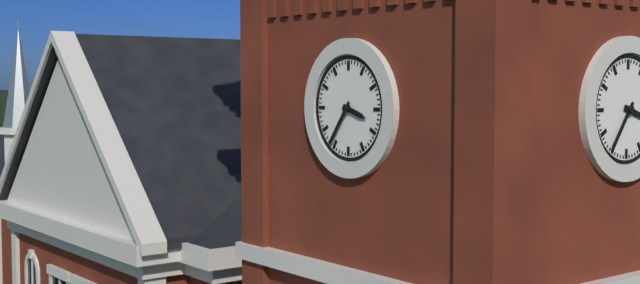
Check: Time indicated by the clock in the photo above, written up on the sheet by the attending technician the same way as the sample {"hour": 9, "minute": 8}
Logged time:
{"hour": 3, "minute": 36}
